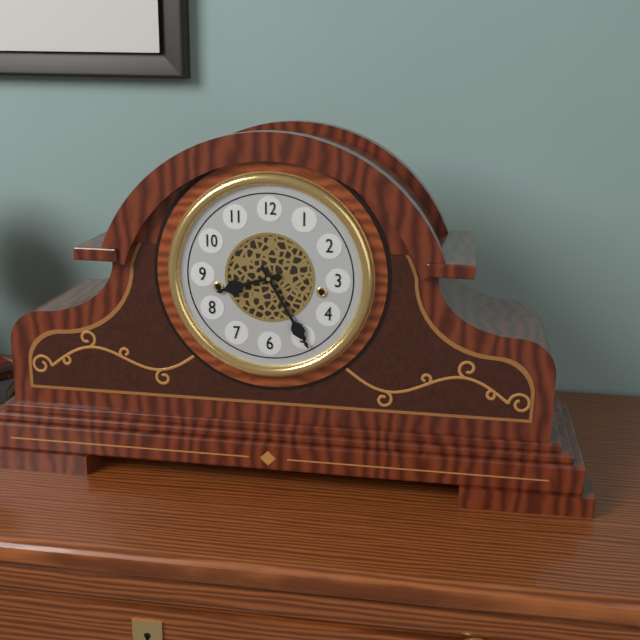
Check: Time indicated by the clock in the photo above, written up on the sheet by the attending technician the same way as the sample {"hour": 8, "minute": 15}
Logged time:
{"hour": 8, "minute": 25}
